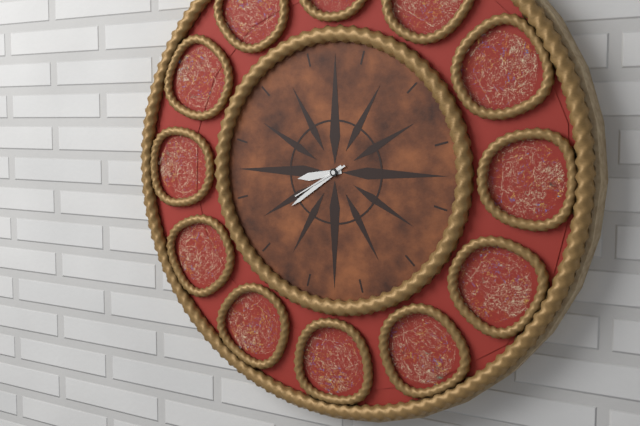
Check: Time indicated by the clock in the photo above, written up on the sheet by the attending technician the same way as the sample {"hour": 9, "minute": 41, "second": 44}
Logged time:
{"hour": 8, "minute": 39, "second": 40}
